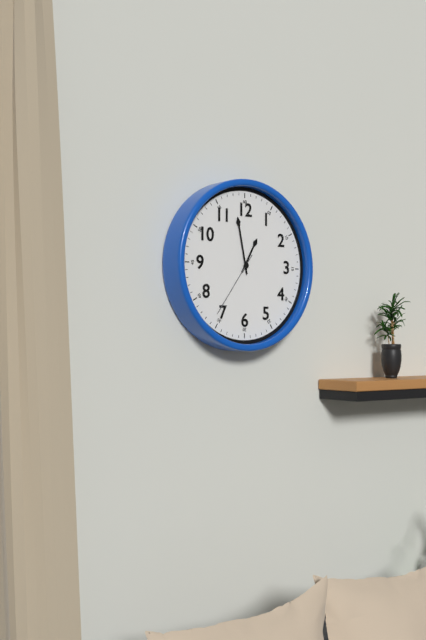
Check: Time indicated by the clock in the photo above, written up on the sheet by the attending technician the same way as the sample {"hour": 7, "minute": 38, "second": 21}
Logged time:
{"hour": 12, "minute": 58, "second": 36}
